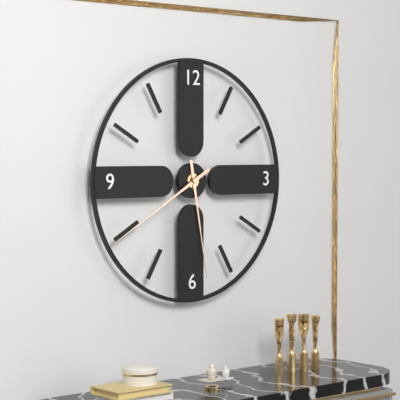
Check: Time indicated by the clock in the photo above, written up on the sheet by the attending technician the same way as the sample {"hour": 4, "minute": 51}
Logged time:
{"hour": 5, "minute": 40}
